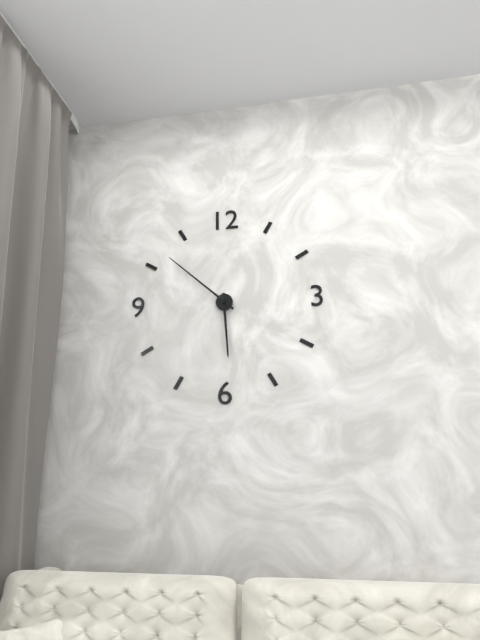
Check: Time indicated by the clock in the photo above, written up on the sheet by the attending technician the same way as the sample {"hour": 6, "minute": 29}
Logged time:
{"hour": 5, "minute": 52}
